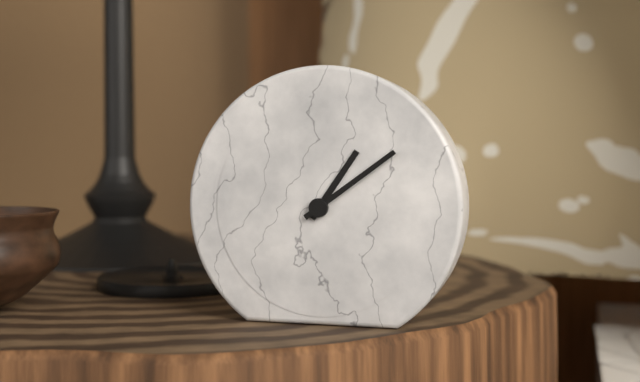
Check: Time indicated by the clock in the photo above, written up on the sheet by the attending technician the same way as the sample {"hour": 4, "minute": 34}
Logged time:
{"hour": 1, "minute": 9}
